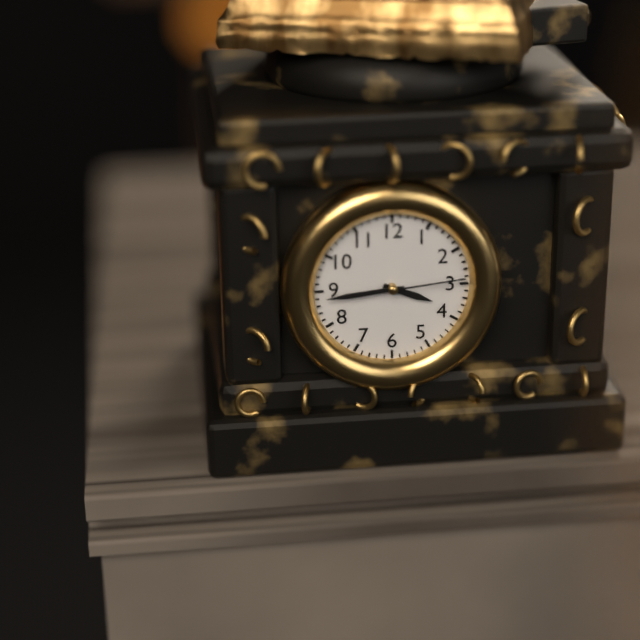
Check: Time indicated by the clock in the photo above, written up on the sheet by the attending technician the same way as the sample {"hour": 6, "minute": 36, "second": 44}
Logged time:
{"hour": 3, "minute": 44, "second": 14}
